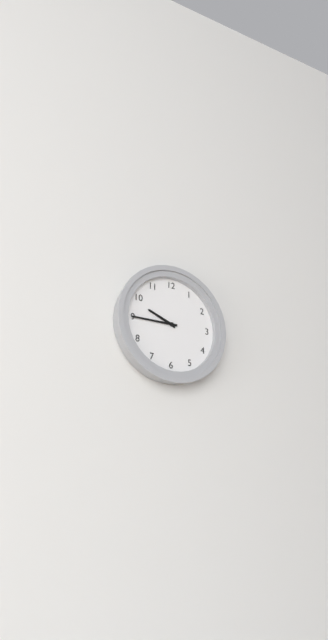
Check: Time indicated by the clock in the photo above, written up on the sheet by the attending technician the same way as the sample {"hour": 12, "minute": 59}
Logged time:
{"hour": 9, "minute": 45}
